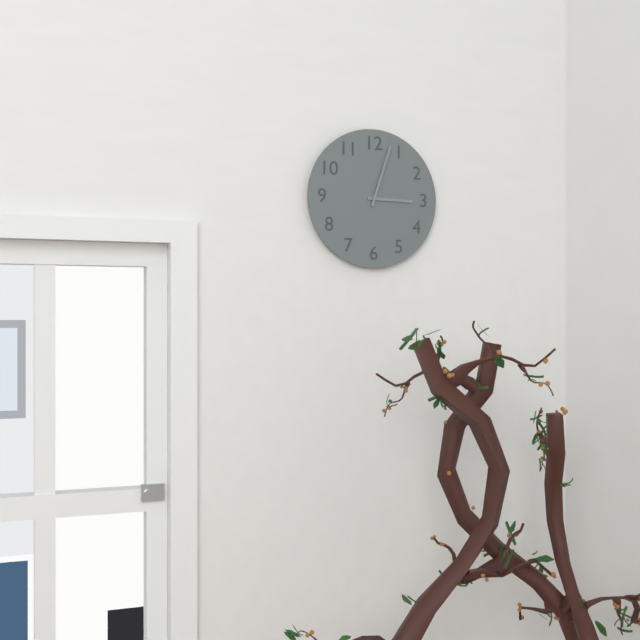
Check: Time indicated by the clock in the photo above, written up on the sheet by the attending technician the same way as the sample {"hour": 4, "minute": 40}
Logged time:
{"hour": 3, "minute": 3}
